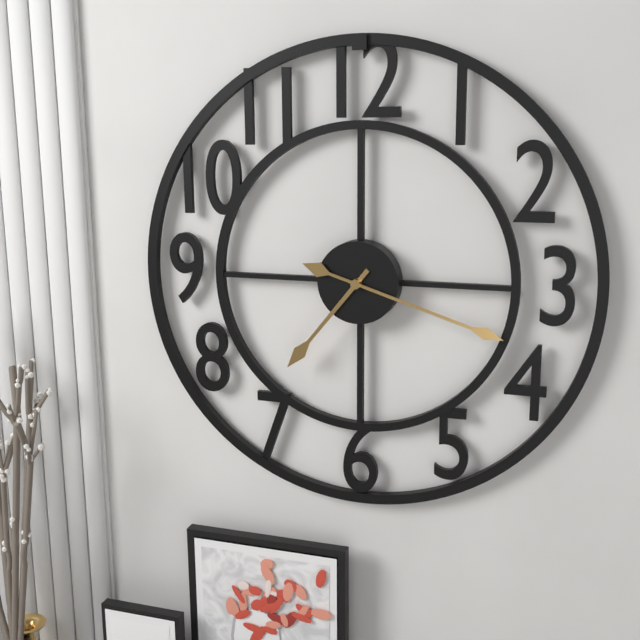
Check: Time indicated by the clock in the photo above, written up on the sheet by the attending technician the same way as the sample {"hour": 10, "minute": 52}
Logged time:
{"hour": 7, "minute": 18}
